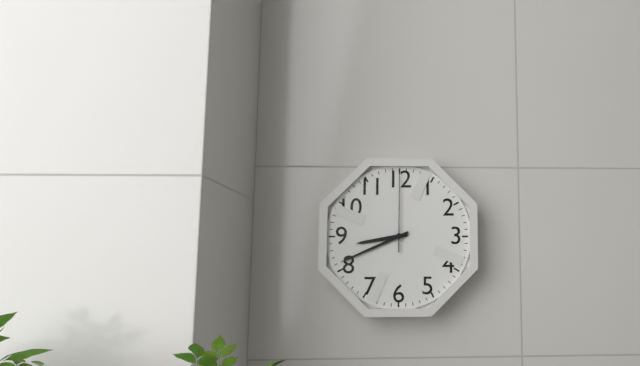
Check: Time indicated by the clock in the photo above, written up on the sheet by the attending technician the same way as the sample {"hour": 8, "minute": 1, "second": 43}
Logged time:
{"hour": 8, "minute": 41, "second": 0}
